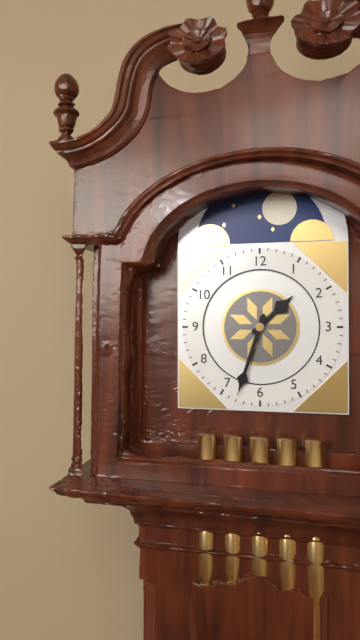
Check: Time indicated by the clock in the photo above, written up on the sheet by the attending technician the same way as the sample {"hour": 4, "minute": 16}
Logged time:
{"hour": 1, "minute": 33}
